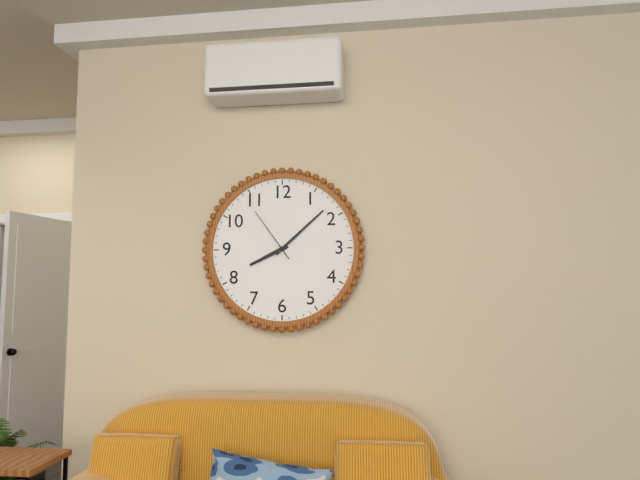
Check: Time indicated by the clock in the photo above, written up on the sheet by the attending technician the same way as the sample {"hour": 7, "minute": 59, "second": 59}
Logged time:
{"hour": 8, "minute": 8, "second": 54}
